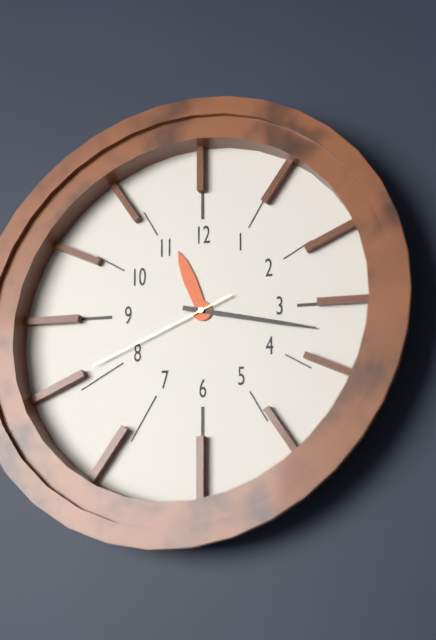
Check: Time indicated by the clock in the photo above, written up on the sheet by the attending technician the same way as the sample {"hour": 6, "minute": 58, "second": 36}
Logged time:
{"hour": 11, "minute": 17, "second": 41}
